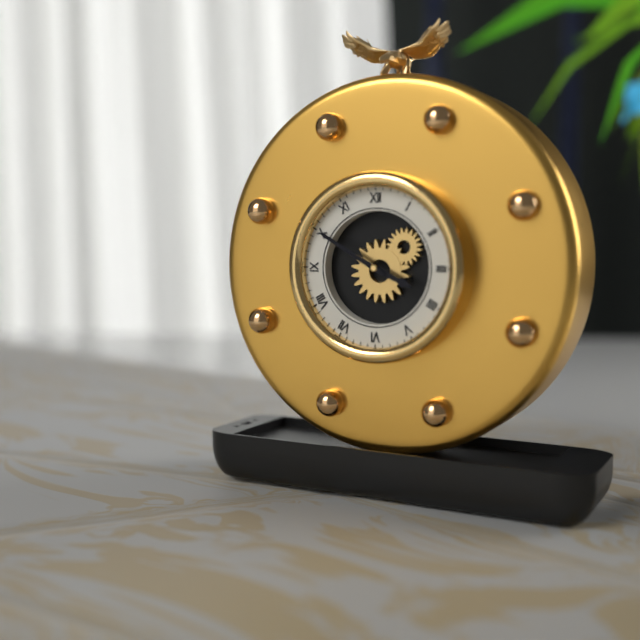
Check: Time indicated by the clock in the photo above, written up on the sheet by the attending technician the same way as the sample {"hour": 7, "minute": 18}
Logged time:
{"hour": 3, "minute": 50}
